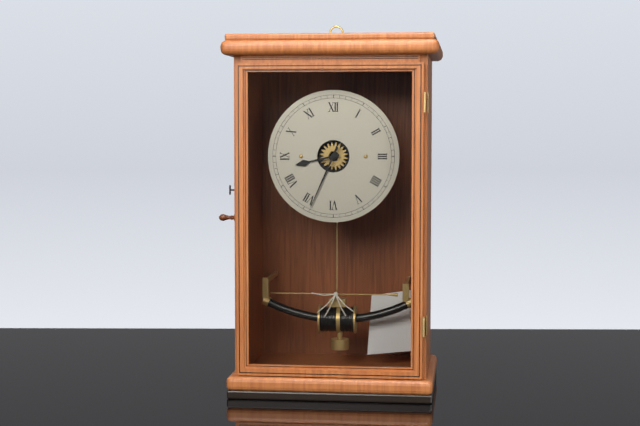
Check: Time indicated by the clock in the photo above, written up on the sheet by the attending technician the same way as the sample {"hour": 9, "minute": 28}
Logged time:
{"hour": 8, "minute": 34}
